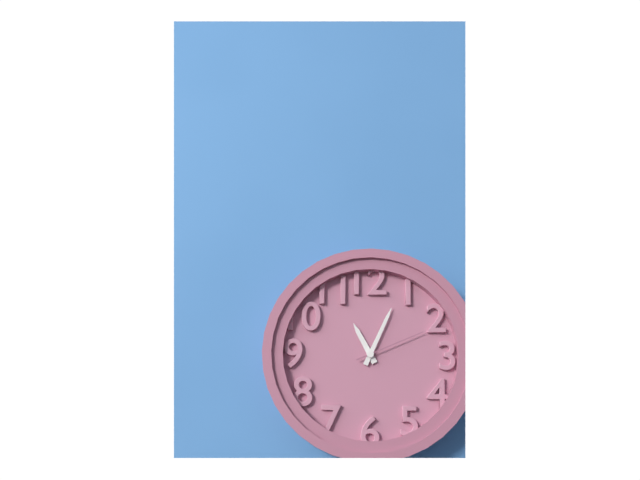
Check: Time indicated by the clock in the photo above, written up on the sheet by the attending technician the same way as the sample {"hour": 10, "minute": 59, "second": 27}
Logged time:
{"hour": 11, "minute": 4, "second": 11}
